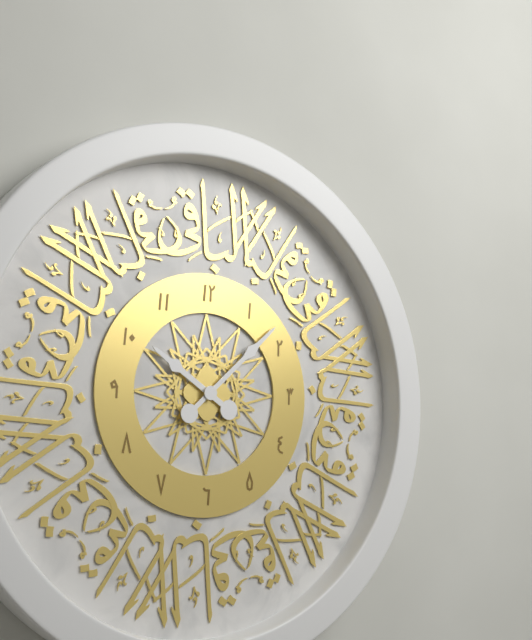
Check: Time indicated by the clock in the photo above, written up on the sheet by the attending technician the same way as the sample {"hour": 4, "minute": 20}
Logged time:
{"hour": 10, "minute": 8}
